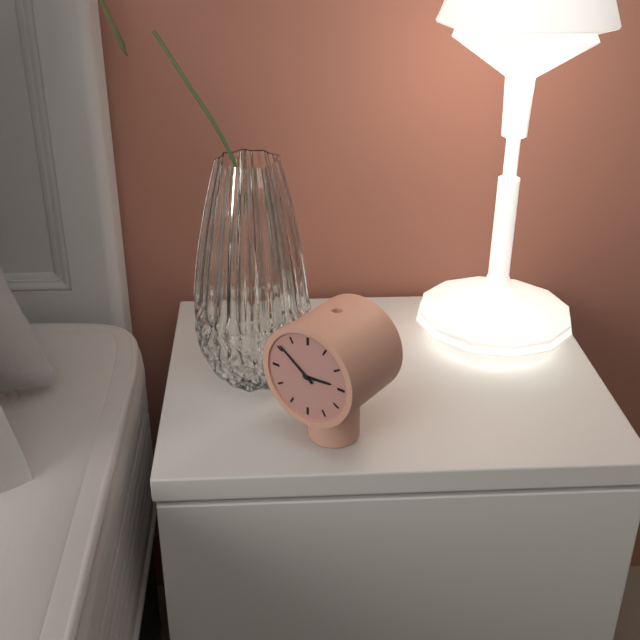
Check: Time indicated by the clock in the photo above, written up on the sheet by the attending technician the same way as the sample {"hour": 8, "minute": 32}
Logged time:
{"hour": 2, "minute": 51}
